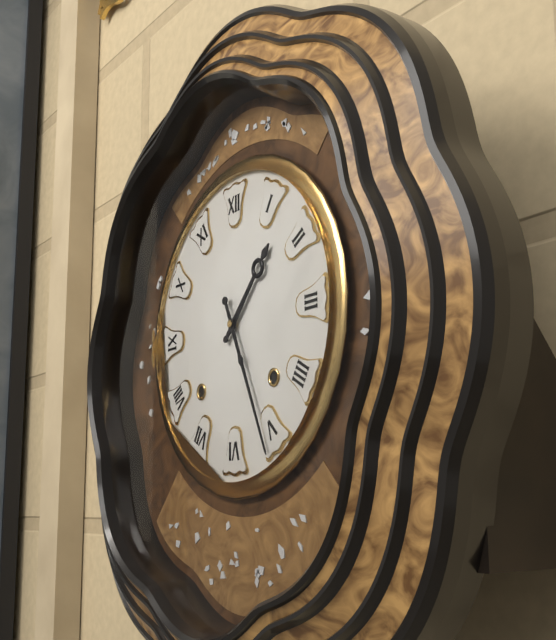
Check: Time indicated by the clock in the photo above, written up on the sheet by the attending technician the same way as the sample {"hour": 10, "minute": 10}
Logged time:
{"hour": 1, "minute": 26}
